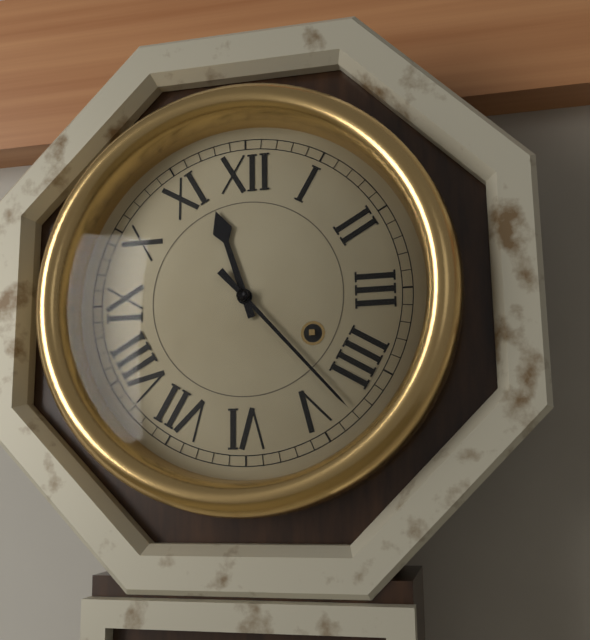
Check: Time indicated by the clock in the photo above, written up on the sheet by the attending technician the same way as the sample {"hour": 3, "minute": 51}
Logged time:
{"hour": 11, "minute": 23}
